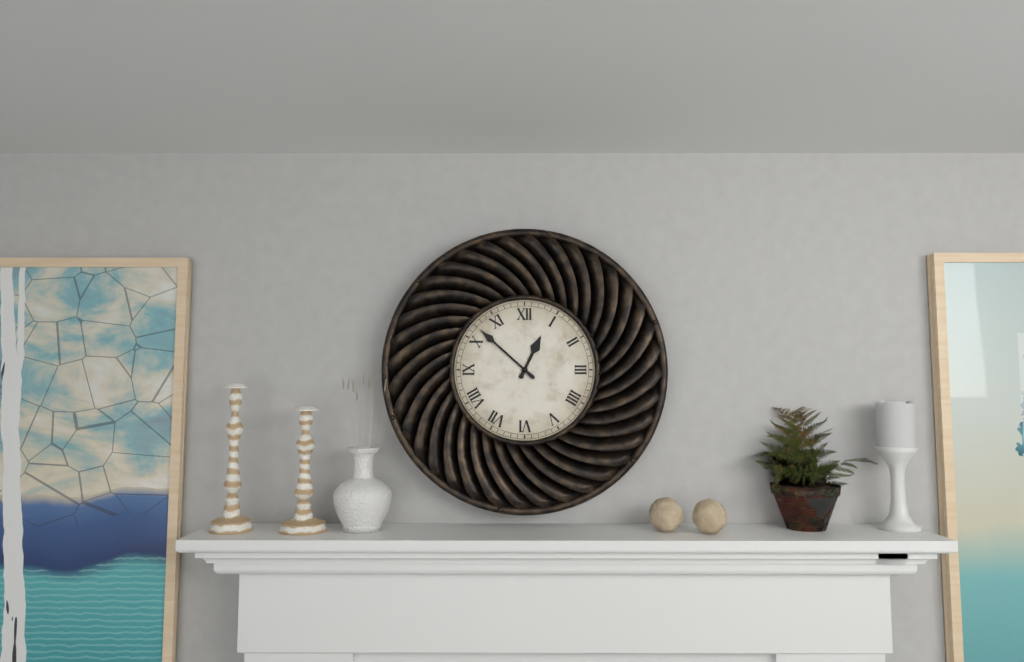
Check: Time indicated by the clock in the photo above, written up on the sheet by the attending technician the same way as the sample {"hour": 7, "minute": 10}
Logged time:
{"hour": 12, "minute": 52}
